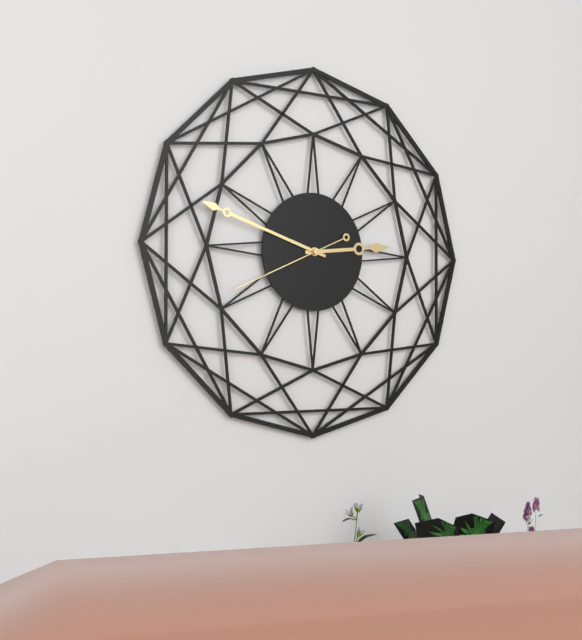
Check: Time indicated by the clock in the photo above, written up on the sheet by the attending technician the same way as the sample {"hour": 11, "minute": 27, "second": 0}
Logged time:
{"hour": 2, "minute": 48, "second": 41}
